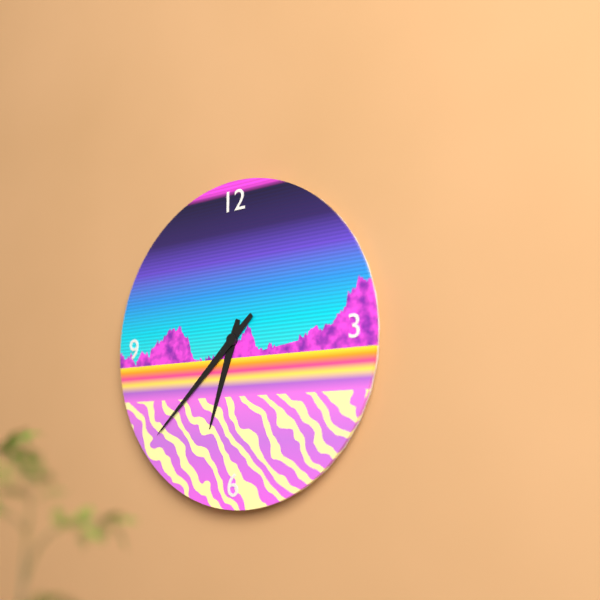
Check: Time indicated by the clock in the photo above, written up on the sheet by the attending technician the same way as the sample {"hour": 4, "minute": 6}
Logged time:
{"hour": 6, "minute": 38}
